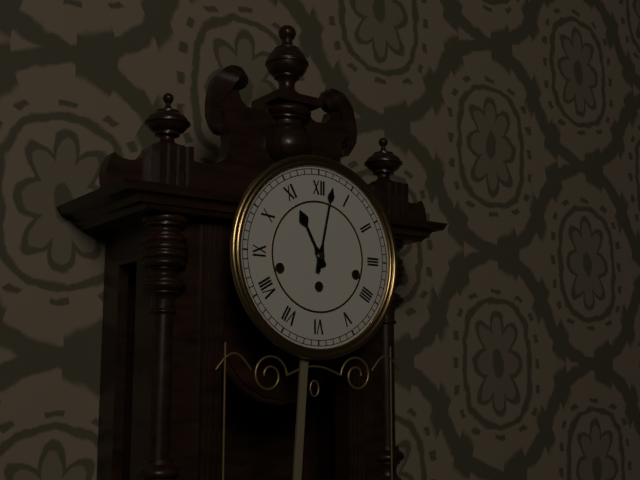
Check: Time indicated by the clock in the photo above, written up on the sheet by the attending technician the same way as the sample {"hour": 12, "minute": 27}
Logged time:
{"hour": 11, "minute": 2}
